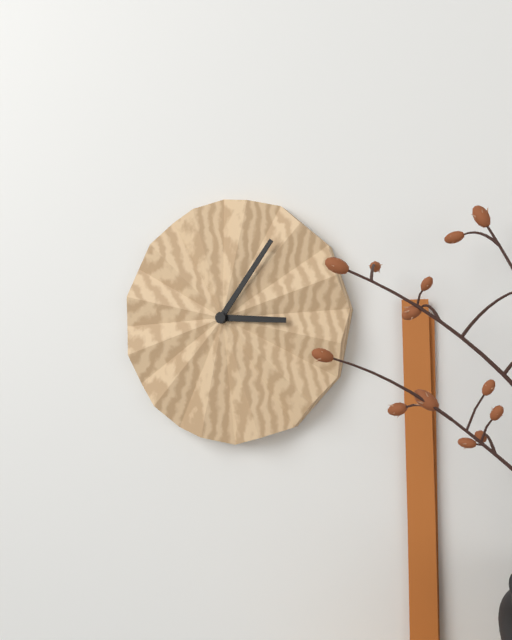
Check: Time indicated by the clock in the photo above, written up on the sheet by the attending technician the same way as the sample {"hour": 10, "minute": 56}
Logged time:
{"hour": 3, "minute": 6}
